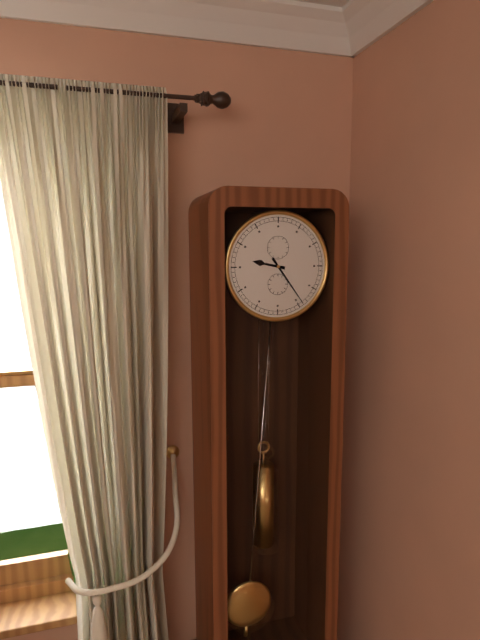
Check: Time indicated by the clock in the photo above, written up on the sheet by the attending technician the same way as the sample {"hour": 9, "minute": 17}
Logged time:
{"hour": 9, "minute": 24}
